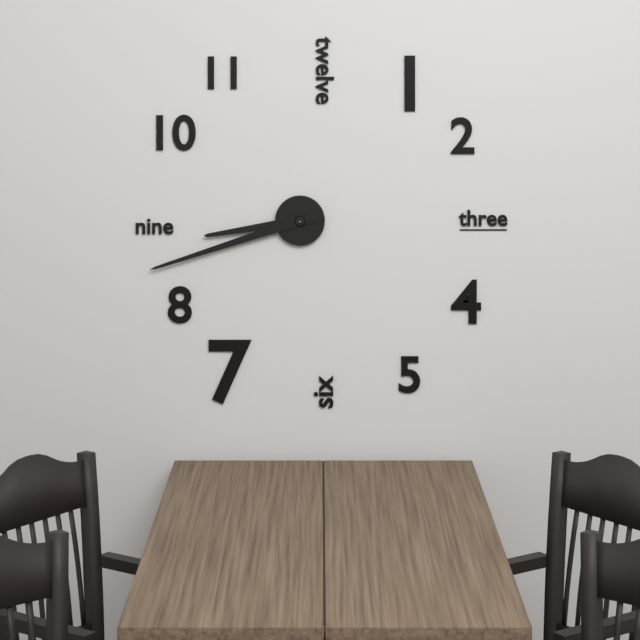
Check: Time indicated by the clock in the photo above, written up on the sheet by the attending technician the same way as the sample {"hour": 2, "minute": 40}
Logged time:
{"hour": 8, "minute": 42}
